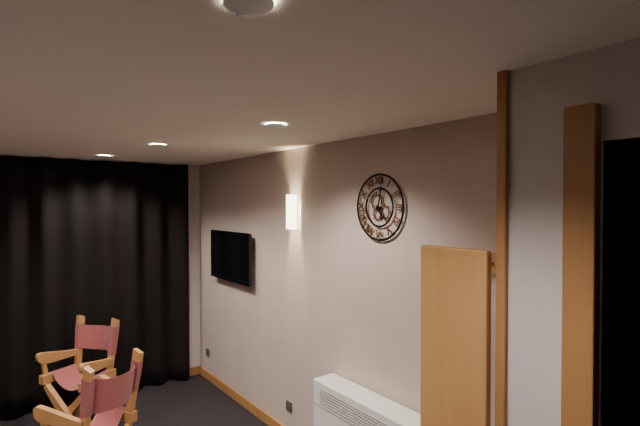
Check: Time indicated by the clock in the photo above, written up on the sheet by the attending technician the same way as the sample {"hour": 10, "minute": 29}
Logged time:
{"hour": 5, "minute": 2}
